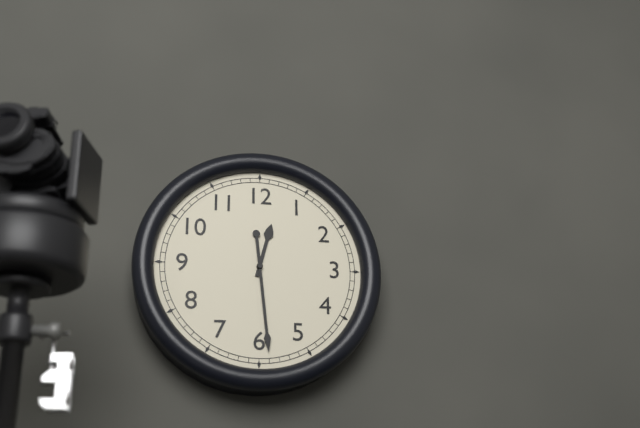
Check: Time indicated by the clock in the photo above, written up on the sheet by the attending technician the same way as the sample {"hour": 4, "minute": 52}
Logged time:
{"hour": 12, "minute": 29}
